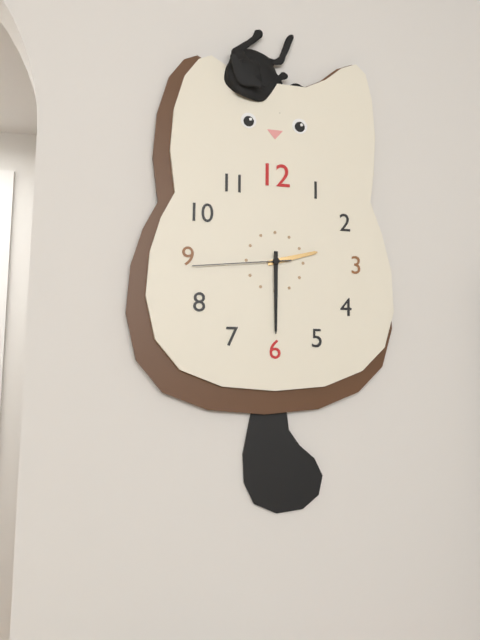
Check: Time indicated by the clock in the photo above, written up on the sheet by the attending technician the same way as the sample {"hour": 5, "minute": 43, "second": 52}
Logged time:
{"hour": 2, "minute": 30, "second": 44}
